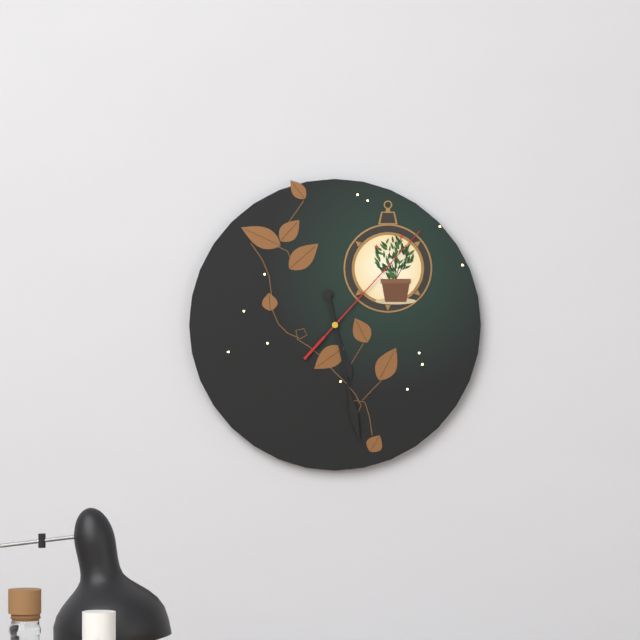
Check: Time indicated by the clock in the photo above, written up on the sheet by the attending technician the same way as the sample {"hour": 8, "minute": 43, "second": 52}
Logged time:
{"hour": 5, "minute": 28, "second": 7}
